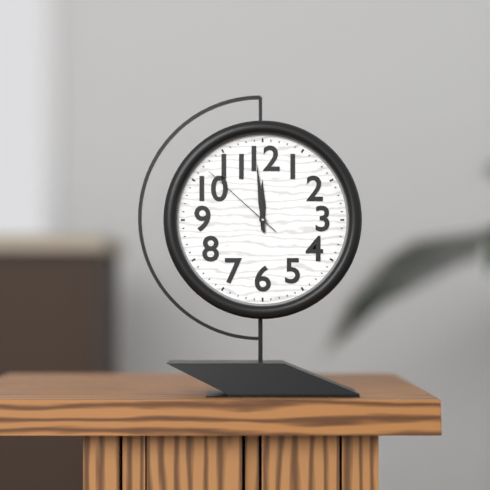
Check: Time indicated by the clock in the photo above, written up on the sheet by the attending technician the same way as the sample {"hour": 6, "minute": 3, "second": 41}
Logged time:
{"hour": 11, "minute": 59, "second": 52}
